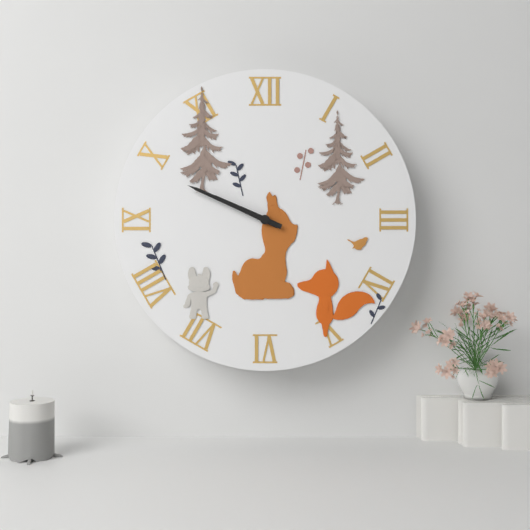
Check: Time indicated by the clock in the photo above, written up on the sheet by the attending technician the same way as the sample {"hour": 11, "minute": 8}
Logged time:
{"hour": 9, "minute": 49}
